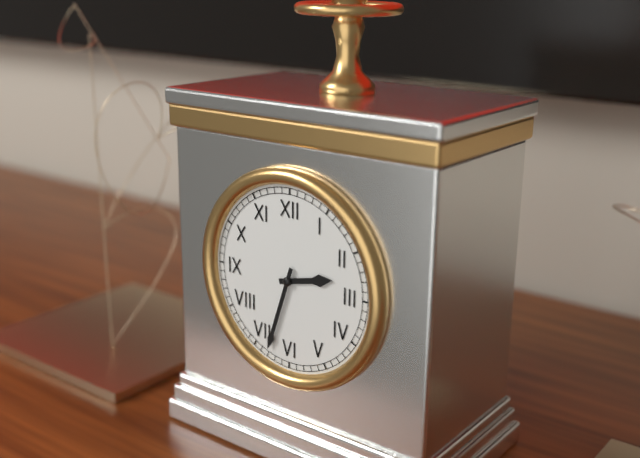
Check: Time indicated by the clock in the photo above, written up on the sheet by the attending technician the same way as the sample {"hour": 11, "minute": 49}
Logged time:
{"hour": 2, "minute": 33}
